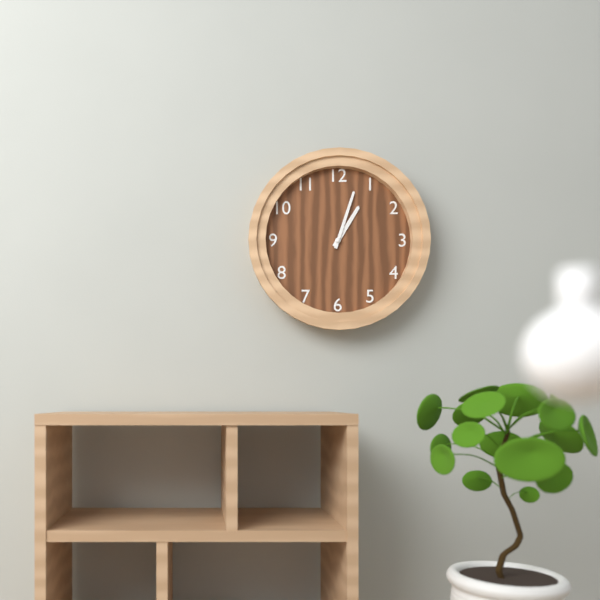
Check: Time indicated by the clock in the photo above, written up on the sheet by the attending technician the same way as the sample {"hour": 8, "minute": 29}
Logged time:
{"hour": 1, "minute": 3}
